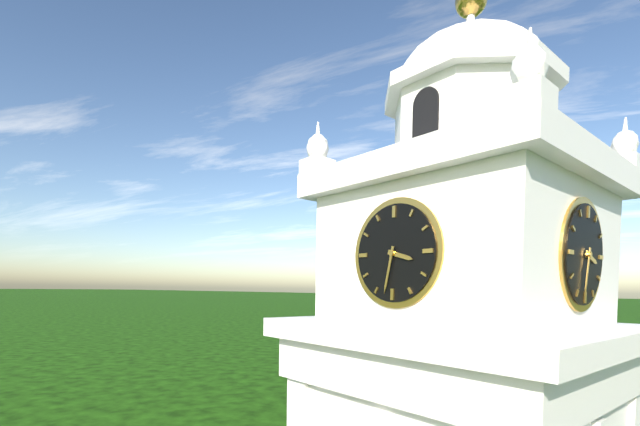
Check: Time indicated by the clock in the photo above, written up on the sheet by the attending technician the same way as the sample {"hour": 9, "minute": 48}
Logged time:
{"hour": 3, "minute": 32}
